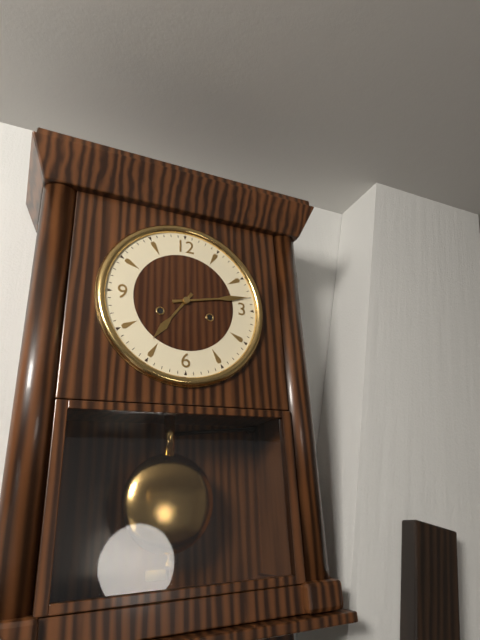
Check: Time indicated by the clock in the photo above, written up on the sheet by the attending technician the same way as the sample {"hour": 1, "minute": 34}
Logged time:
{"hour": 7, "minute": 13}
